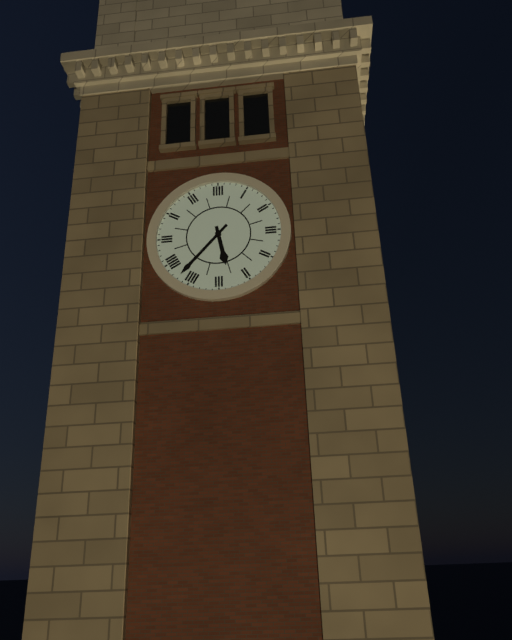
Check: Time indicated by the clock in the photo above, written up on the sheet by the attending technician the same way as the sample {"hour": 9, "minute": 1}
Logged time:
{"hour": 5, "minute": 37}
